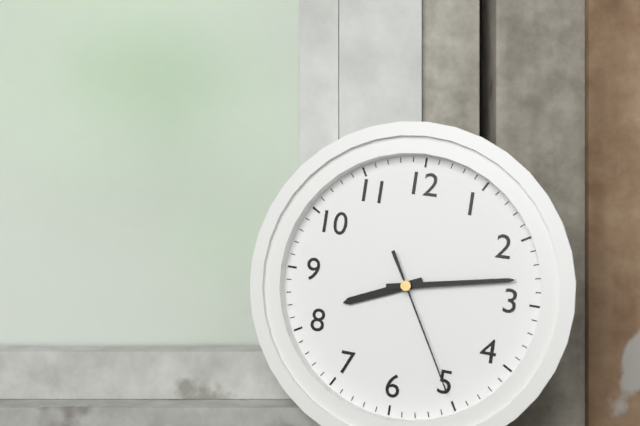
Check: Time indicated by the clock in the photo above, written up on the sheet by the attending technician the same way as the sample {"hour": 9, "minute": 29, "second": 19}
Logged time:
{"hour": 8, "minute": 13, "second": 25}
